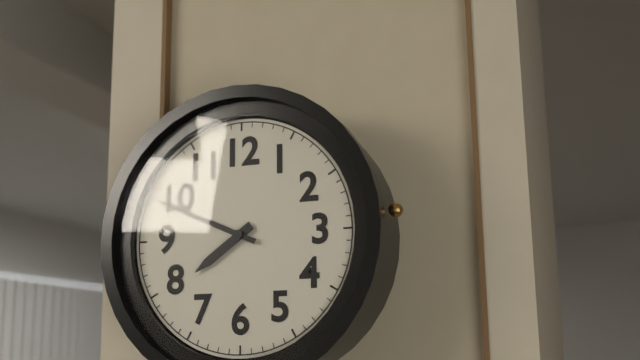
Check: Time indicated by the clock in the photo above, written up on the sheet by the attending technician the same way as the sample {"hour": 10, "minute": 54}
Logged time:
{"hour": 7, "minute": 49}
